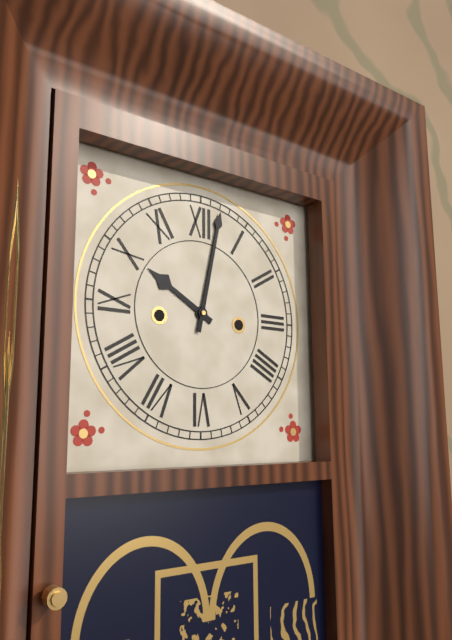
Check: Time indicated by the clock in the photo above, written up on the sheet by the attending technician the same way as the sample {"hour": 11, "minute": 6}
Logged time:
{"hour": 10, "minute": 2}
